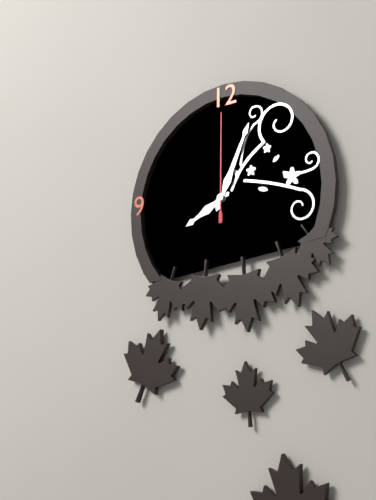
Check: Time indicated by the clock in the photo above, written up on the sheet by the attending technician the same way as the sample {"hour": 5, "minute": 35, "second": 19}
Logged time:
{"hour": 8, "minute": 4, "second": 0}
